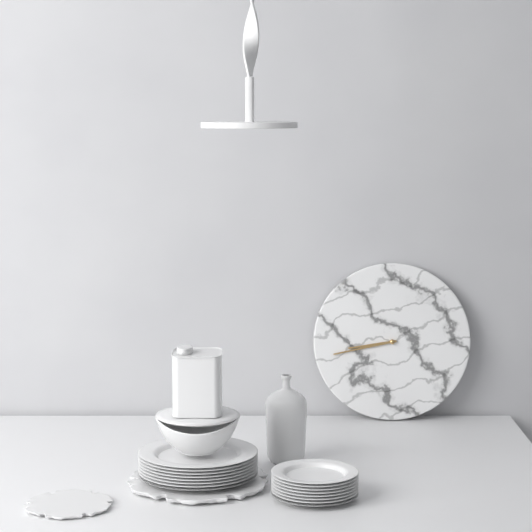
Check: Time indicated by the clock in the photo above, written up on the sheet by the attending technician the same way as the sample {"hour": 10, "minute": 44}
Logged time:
{"hour": 8, "minute": 43}
